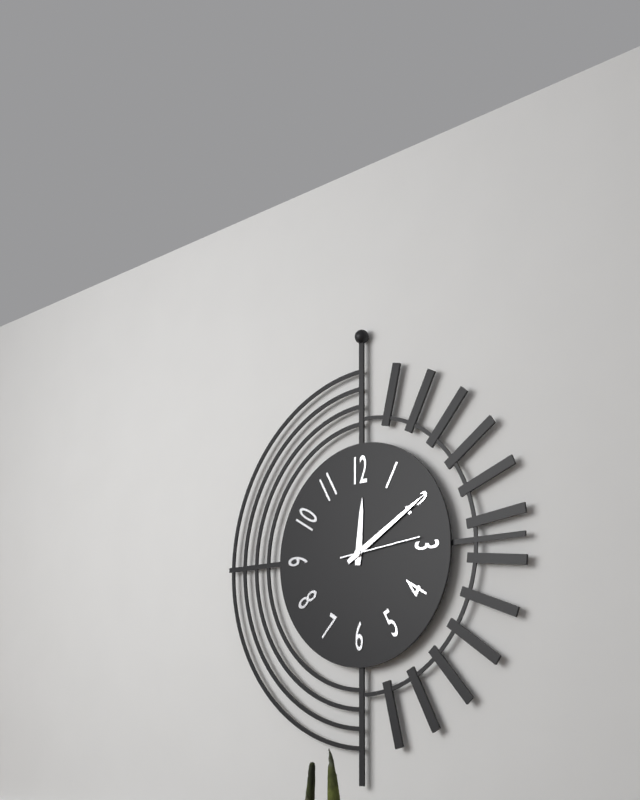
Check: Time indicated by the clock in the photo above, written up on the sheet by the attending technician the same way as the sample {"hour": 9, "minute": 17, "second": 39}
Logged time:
{"hour": 12, "minute": 10, "second": 14}
